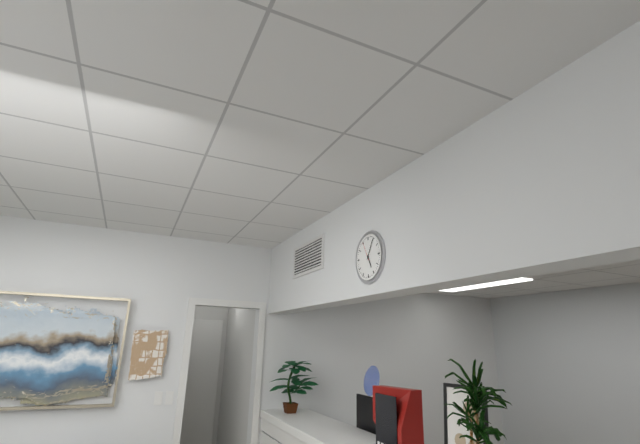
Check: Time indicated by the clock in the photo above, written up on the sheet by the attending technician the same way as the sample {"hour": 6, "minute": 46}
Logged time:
{"hour": 5, "minute": 5}
